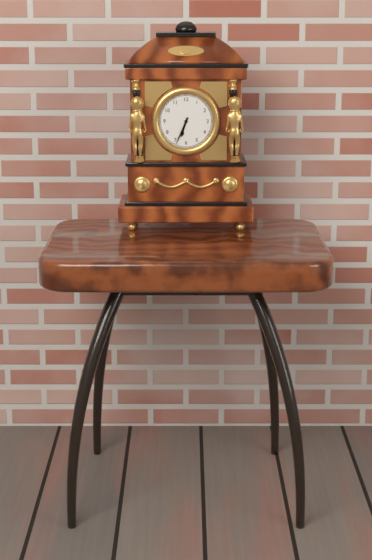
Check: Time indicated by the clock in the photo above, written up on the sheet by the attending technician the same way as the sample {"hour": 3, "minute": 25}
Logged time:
{"hour": 6, "minute": 34}
